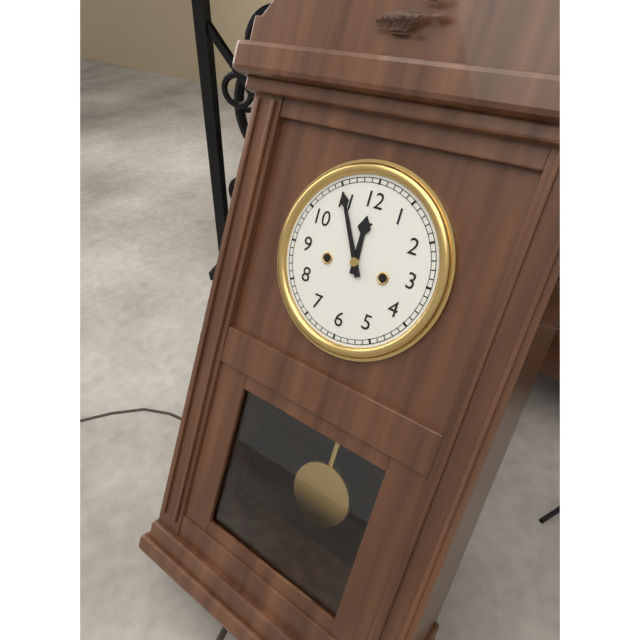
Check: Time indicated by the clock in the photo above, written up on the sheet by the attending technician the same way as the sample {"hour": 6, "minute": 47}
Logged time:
{"hour": 11, "minute": 55}
